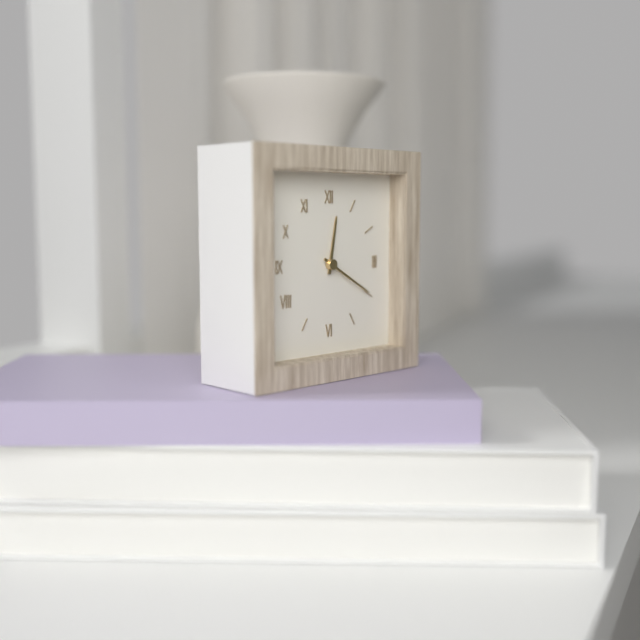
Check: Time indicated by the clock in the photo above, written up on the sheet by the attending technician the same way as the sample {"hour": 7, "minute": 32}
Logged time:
{"hour": 12, "minute": 20}
